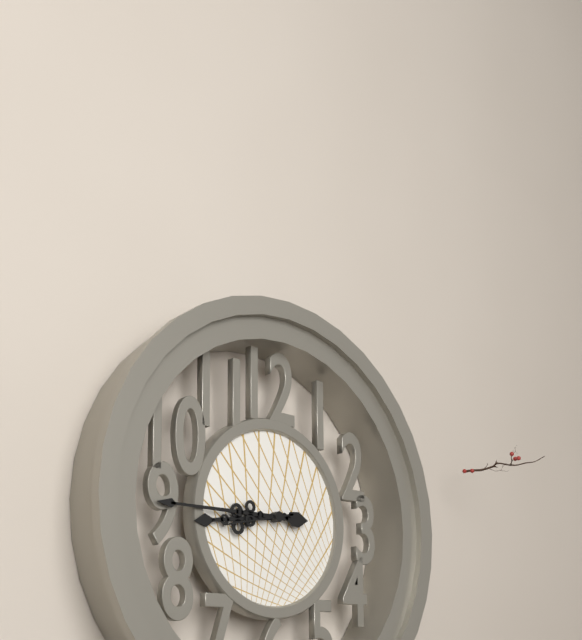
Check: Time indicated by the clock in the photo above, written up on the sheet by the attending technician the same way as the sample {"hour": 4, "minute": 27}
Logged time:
{"hour": 8, "minute": 45}
